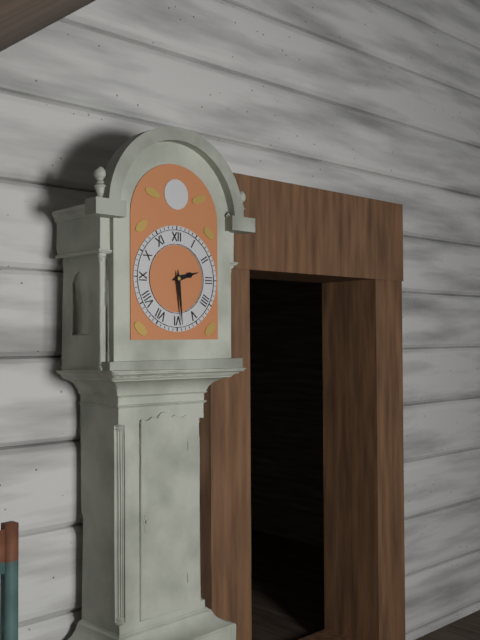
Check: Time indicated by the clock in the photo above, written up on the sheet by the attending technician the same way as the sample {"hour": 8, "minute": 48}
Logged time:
{"hour": 2, "minute": 29}
